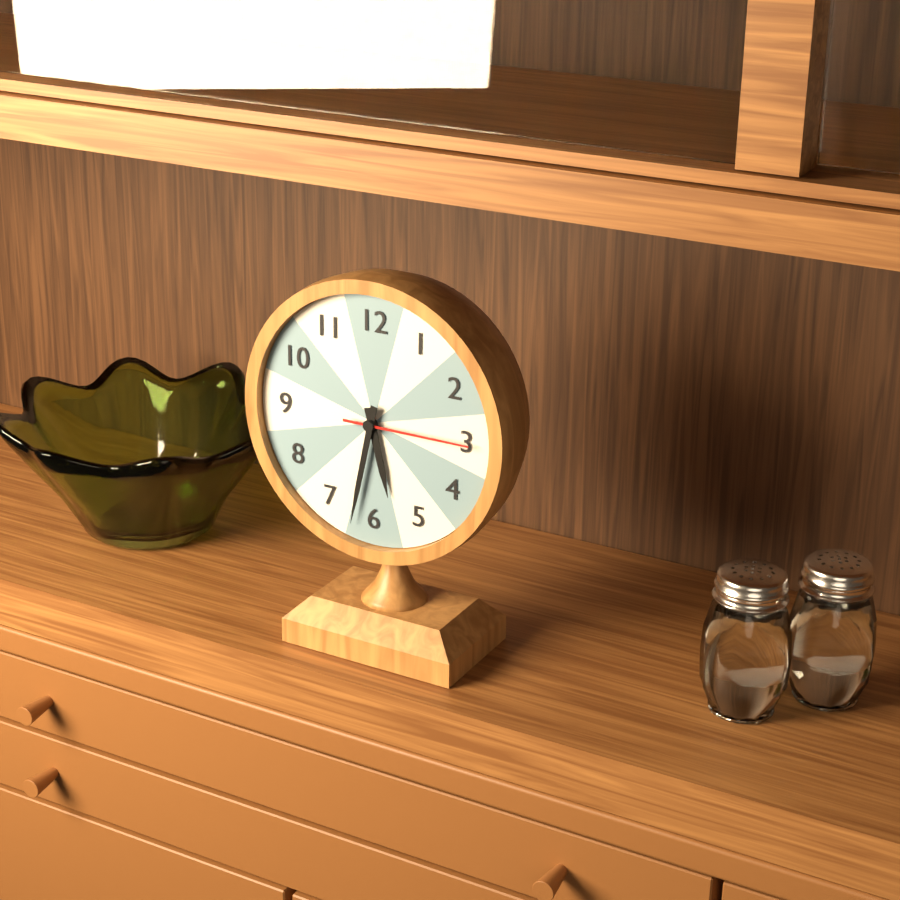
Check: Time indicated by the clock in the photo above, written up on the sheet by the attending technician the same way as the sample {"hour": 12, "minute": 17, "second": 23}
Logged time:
{"hour": 5, "minute": 32, "second": 15}
